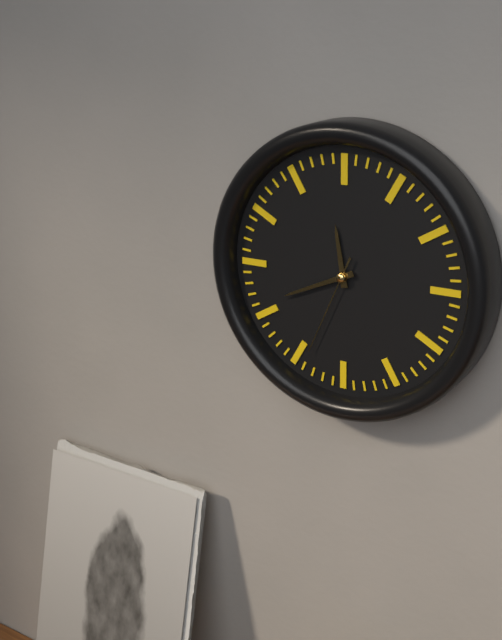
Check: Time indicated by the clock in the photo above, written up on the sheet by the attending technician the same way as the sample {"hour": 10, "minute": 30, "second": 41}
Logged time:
{"hour": 11, "minute": 41, "second": 34}
